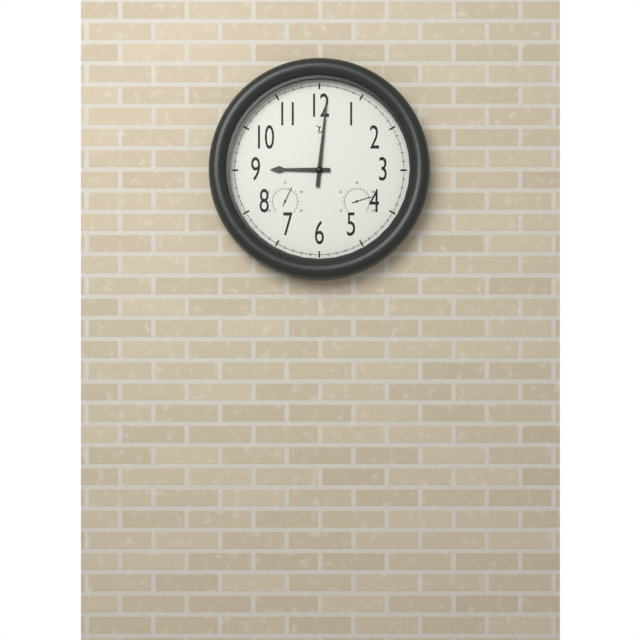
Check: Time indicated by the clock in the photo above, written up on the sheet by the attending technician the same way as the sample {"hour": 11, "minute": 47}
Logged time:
{"hour": 9, "minute": 1}
